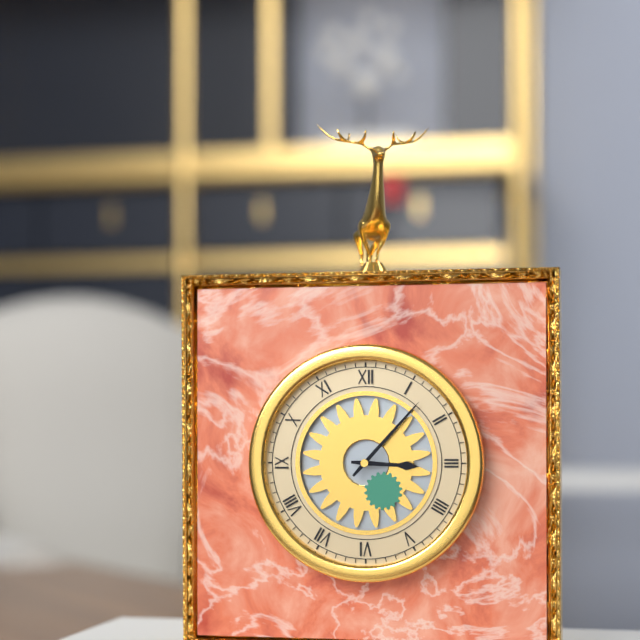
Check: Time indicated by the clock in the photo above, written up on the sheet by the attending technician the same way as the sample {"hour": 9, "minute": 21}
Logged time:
{"hour": 3, "minute": 7}
